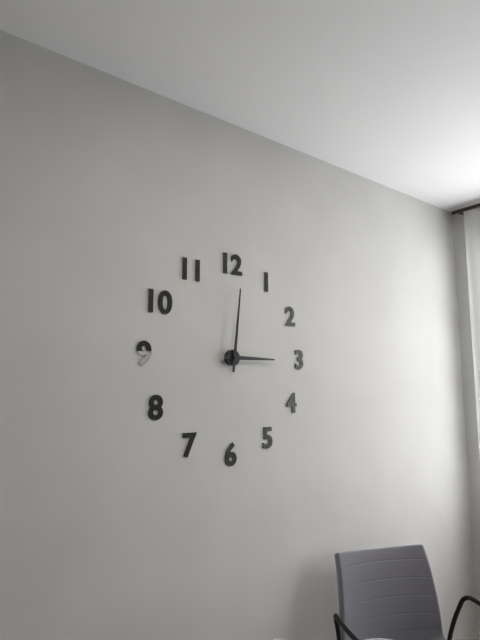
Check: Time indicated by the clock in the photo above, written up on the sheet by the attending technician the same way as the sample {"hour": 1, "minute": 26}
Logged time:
{"hour": 3, "minute": 1}
